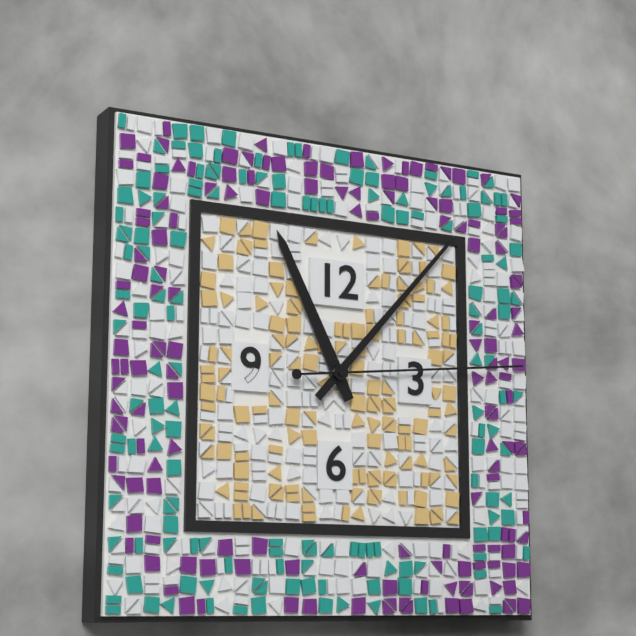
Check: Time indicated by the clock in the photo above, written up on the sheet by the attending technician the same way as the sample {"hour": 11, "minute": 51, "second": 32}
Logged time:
{"hour": 11, "minute": 7, "second": 14}
